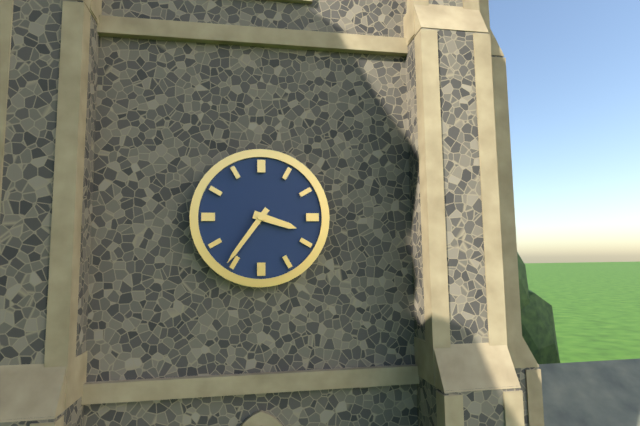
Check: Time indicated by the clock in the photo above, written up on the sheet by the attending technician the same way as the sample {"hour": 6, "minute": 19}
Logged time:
{"hour": 3, "minute": 36}
